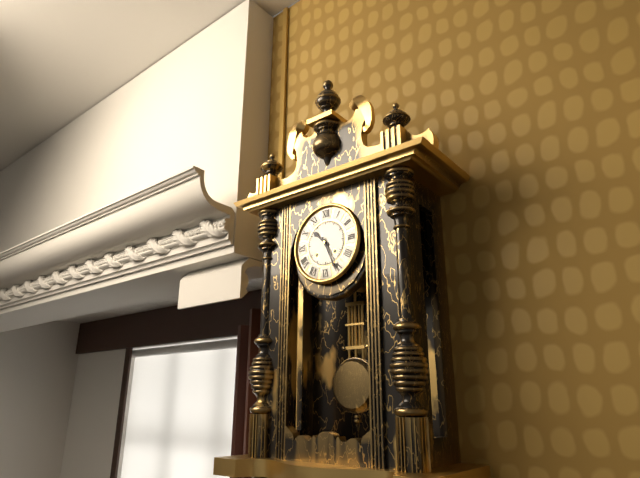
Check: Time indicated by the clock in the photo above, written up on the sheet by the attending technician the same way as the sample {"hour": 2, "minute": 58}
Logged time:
{"hour": 10, "minute": 26}
